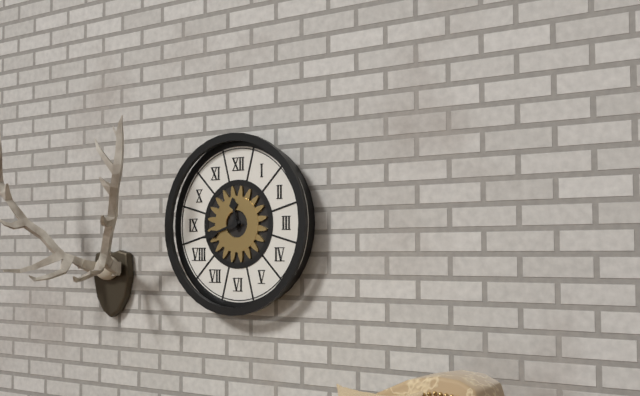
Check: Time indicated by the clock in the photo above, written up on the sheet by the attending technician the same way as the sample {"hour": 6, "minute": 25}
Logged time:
{"hour": 11, "minute": 42}
